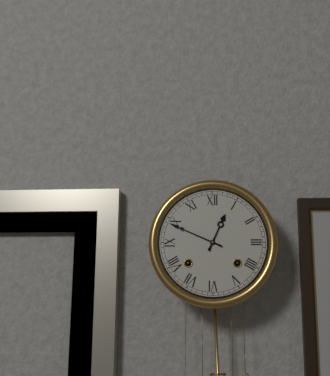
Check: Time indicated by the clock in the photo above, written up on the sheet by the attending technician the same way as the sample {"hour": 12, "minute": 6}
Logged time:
{"hour": 12, "minute": 49}
